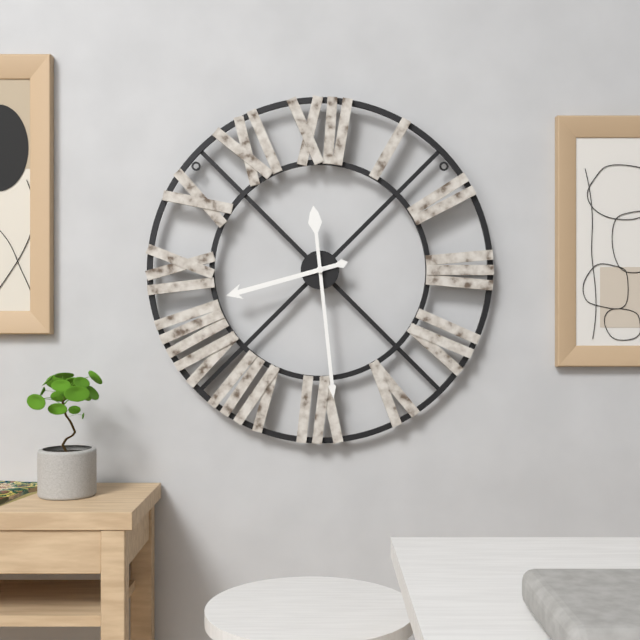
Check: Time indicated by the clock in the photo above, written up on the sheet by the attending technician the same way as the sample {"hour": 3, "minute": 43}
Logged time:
{"hour": 8, "minute": 29}
